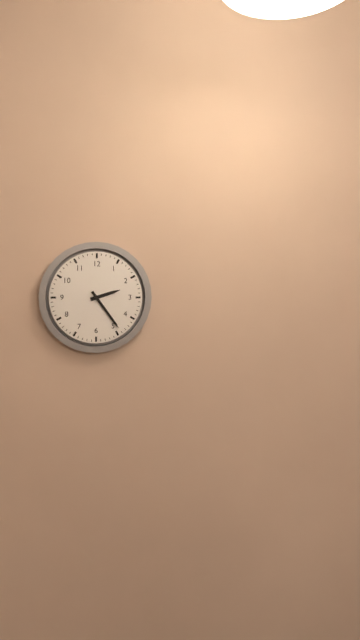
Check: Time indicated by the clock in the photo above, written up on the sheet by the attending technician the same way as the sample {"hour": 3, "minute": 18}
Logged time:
{"hour": 2, "minute": 24}
